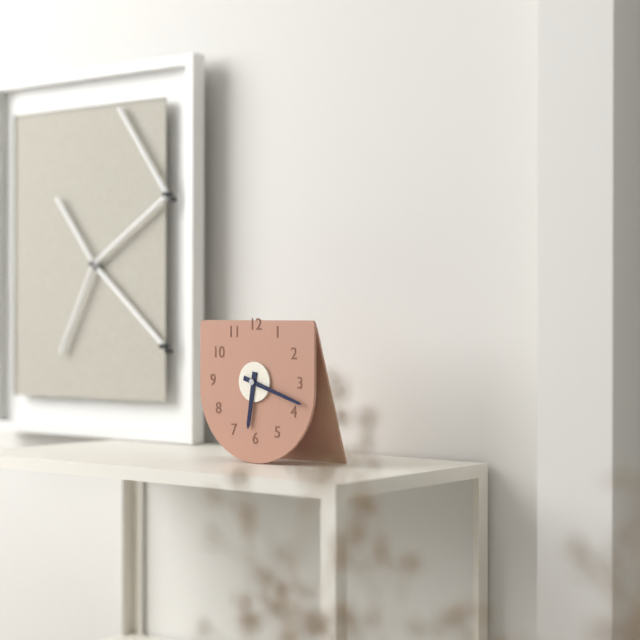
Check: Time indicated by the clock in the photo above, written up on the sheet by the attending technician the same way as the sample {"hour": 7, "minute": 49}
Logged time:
{"hour": 6, "minute": 18}
